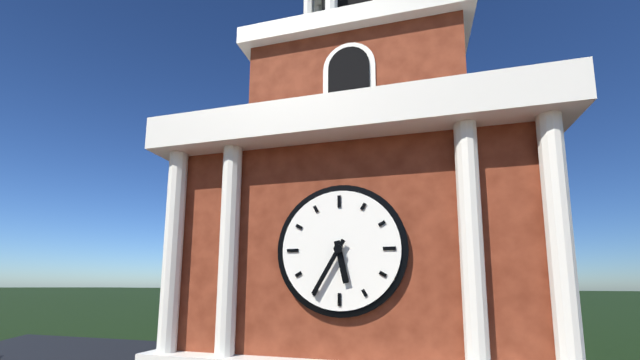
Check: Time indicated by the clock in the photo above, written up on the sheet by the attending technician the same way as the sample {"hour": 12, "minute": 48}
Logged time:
{"hour": 5, "minute": 35}
